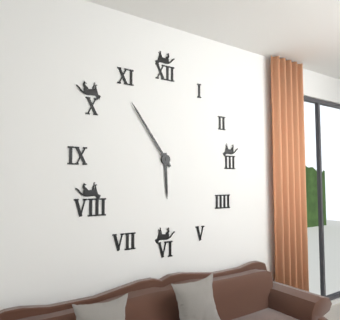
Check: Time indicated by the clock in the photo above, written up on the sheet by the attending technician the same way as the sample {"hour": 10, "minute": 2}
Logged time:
{"hour": 5, "minute": 54}
